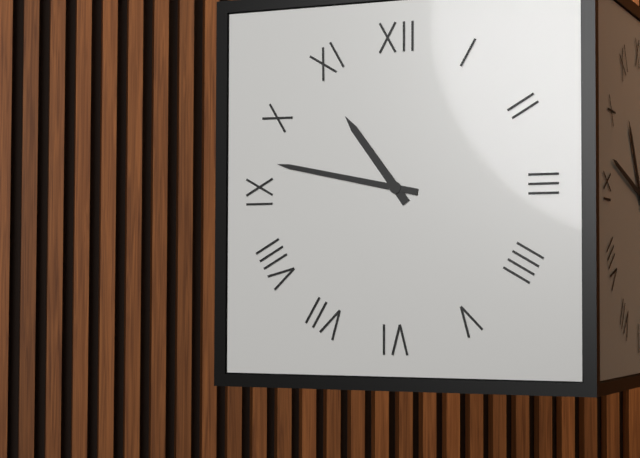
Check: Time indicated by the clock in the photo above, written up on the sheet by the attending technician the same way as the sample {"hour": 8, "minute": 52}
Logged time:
{"hour": 10, "minute": 47}
